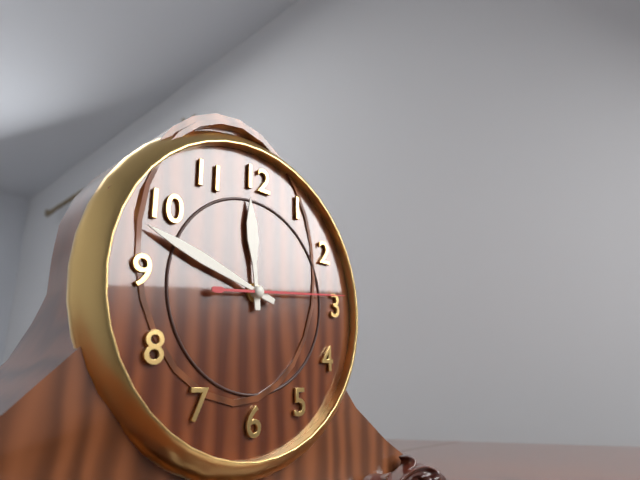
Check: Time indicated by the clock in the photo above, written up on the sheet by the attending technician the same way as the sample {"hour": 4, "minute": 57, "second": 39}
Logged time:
{"hour": 11, "minute": 48, "second": 14}
